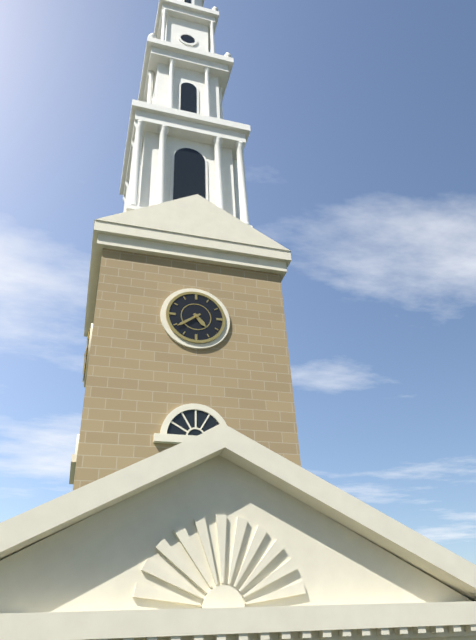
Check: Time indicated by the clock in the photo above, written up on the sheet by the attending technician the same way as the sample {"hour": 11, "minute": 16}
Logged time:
{"hour": 4, "minute": 39}
